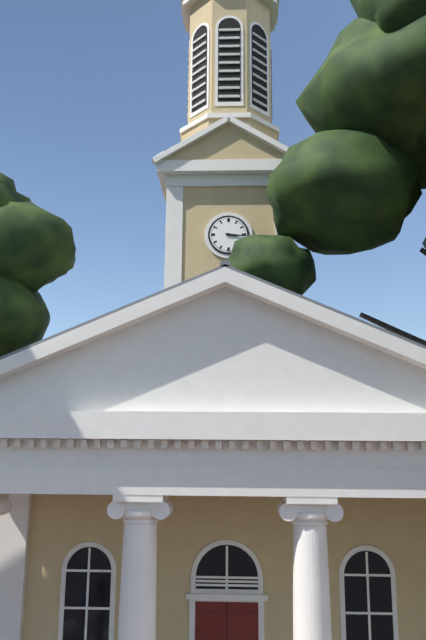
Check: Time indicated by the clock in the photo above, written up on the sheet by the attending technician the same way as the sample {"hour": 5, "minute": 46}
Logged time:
{"hour": 3, "minute": 16}
